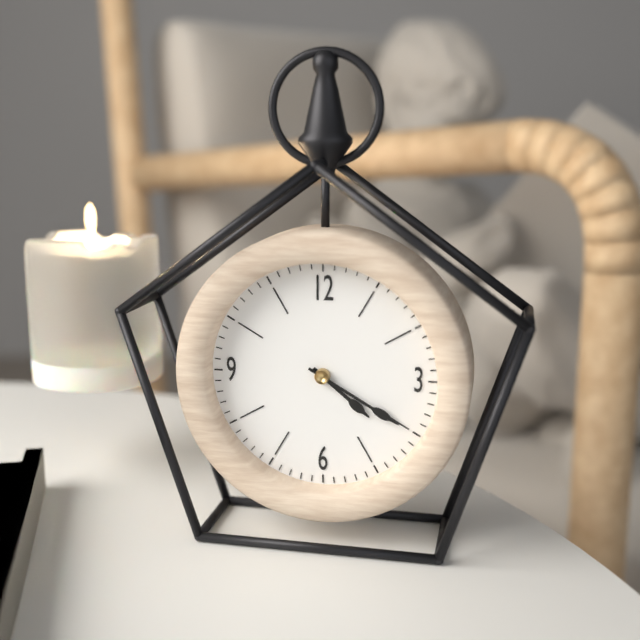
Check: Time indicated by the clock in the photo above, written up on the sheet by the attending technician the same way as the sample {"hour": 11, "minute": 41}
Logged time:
{"hour": 4, "minute": 20}
